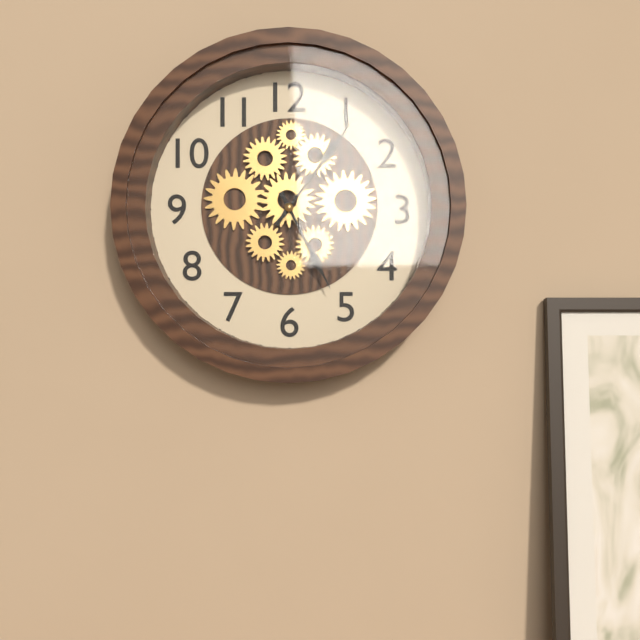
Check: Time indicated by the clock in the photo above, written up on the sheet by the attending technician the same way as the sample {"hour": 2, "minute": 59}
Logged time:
{"hour": 5, "minute": 6}
